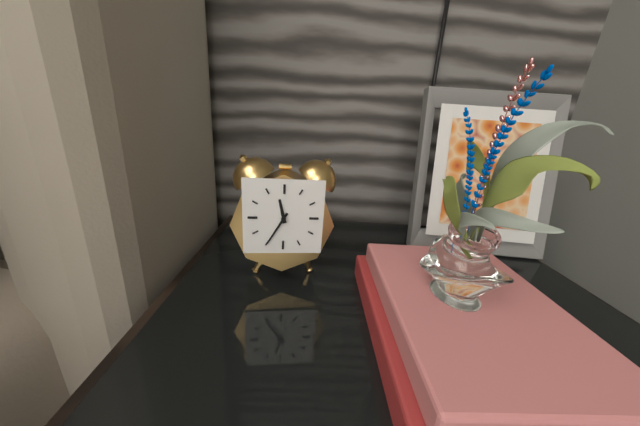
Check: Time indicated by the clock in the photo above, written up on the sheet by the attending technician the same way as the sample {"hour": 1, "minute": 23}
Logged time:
{"hour": 11, "minute": 35}
